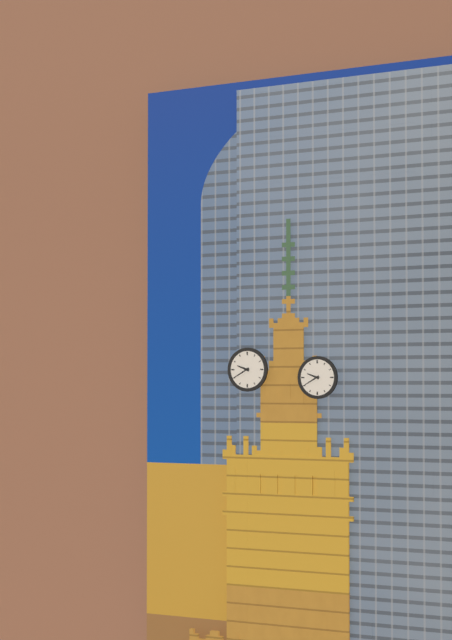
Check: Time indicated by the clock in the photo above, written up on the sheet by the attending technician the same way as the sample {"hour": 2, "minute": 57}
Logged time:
{"hour": 9, "minute": 40}
